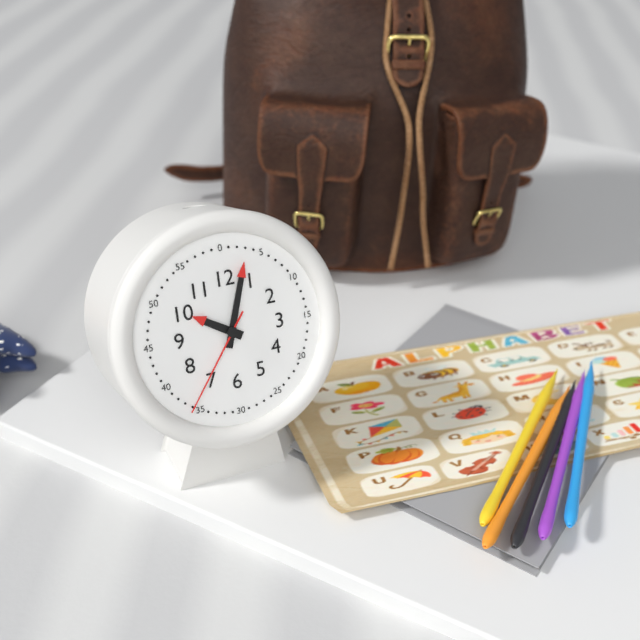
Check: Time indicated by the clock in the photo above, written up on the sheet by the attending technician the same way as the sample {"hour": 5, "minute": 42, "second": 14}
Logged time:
{"hour": 10, "minute": 3, "second": 36}
